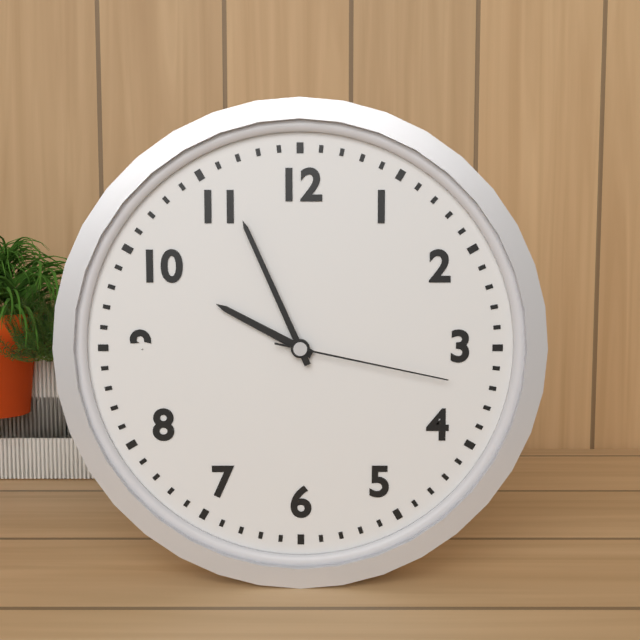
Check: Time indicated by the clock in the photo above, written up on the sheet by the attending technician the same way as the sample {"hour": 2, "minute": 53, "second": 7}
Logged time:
{"hour": 9, "minute": 56, "second": 17}
